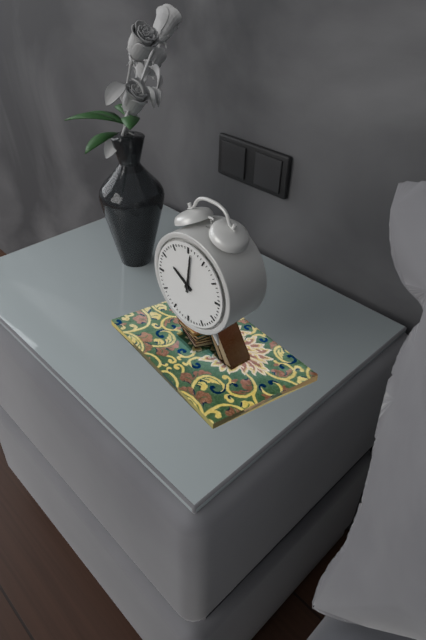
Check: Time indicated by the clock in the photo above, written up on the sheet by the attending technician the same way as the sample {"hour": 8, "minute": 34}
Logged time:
{"hour": 10, "minute": 1}
